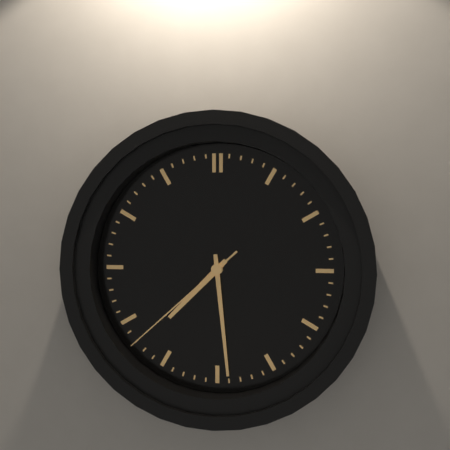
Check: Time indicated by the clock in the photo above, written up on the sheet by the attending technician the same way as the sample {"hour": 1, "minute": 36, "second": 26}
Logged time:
{"hour": 7, "minute": 29, "second": 38}
